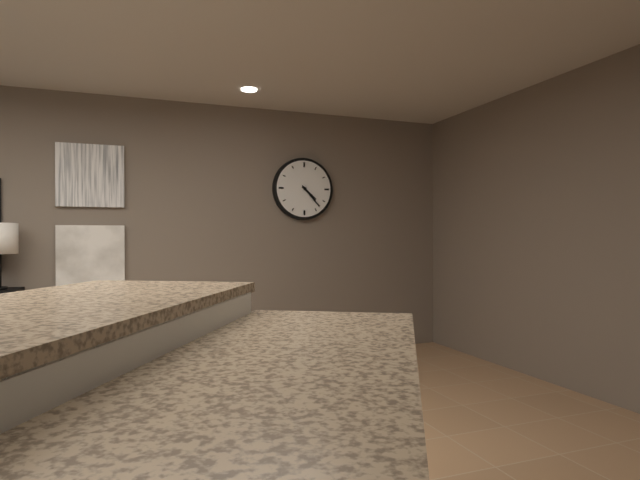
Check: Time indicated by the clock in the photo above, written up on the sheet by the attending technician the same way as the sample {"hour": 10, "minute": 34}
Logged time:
{"hour": 4, "minute": 23}
